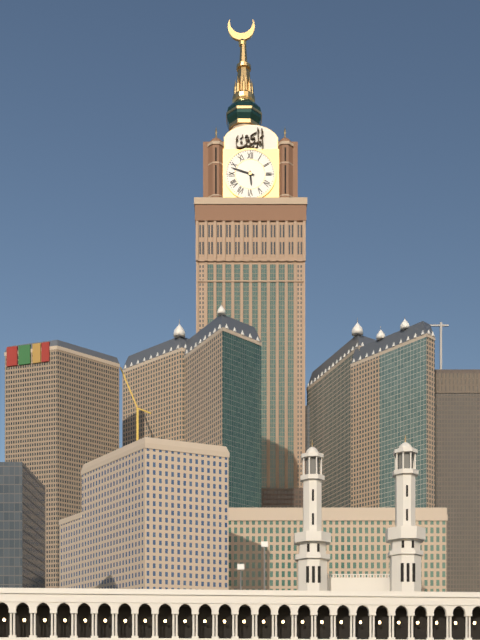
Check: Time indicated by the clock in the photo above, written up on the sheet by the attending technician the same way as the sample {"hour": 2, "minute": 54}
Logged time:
{"hour": 5, "minute": 48}
